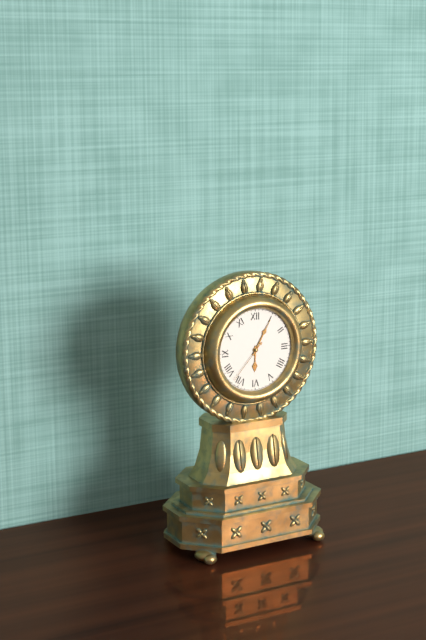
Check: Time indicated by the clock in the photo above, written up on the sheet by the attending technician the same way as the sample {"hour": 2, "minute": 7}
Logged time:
{"hour": 6, "minute": 5}
